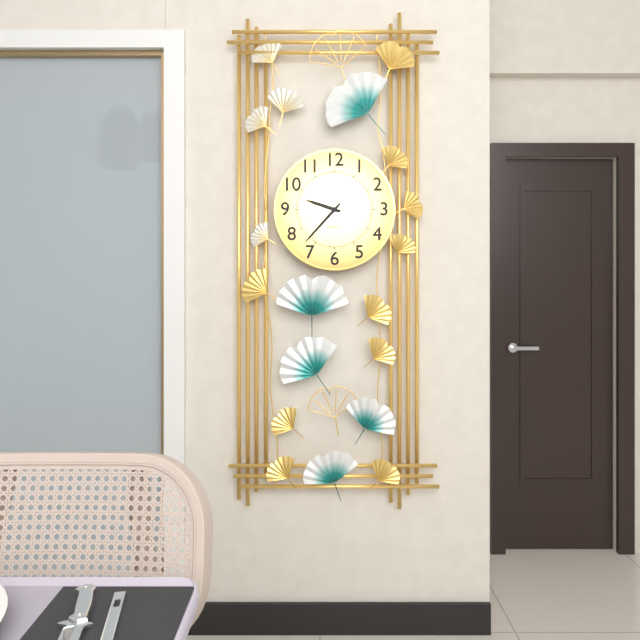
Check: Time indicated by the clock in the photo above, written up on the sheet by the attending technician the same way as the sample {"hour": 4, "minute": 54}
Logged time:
{"hour": 9, "minute": 37}
